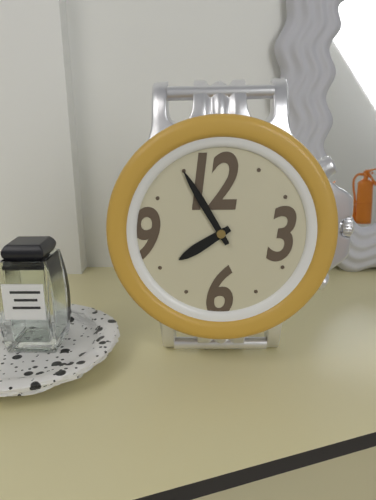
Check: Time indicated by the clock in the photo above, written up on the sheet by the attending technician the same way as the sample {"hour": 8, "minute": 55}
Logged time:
{"hour": 7, "minute": 55}
